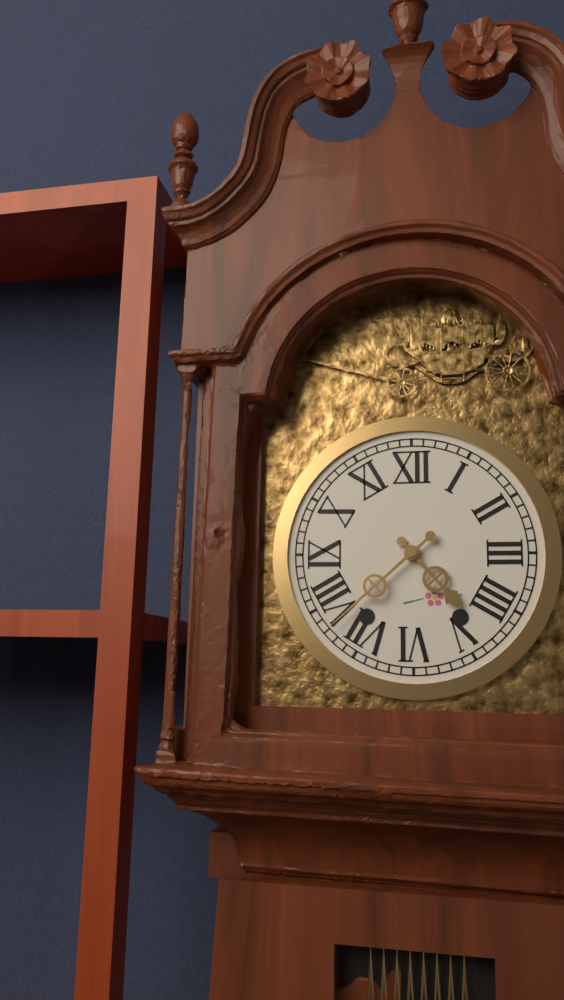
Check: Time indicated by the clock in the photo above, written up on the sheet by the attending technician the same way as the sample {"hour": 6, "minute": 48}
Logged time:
{"hour": 4, "minute": 38}
